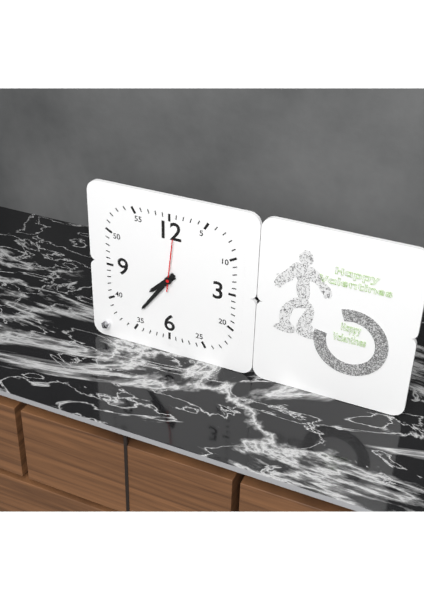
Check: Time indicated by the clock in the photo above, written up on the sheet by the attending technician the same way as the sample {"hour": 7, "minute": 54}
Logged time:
{"hour": 7, "minute": 36}
